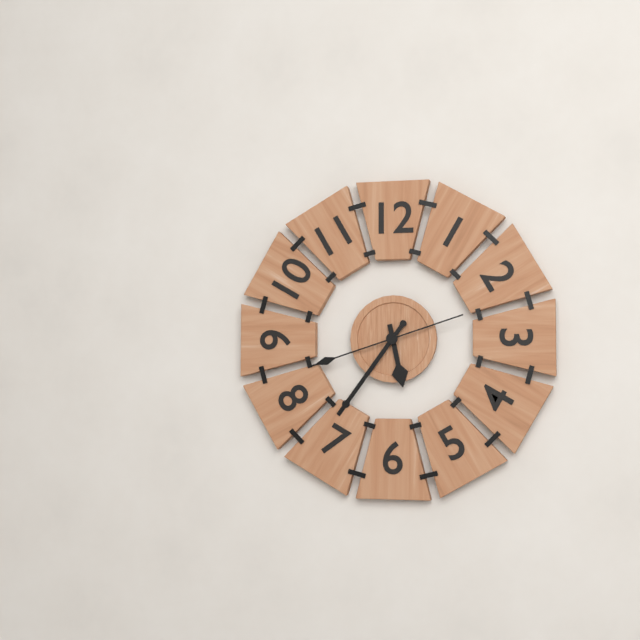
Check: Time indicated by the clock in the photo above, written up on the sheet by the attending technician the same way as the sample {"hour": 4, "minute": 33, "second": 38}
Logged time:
{"hour": 5, "minute": 36, "second": 42}
